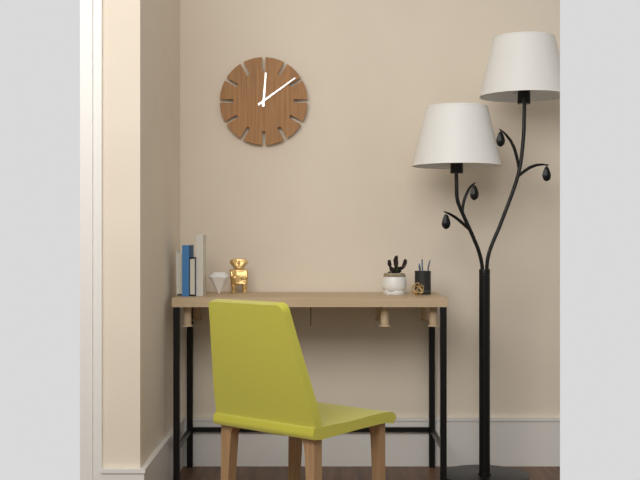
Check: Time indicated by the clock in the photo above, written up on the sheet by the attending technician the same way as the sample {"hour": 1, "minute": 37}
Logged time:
{"hour": 12, "minute": 9}
